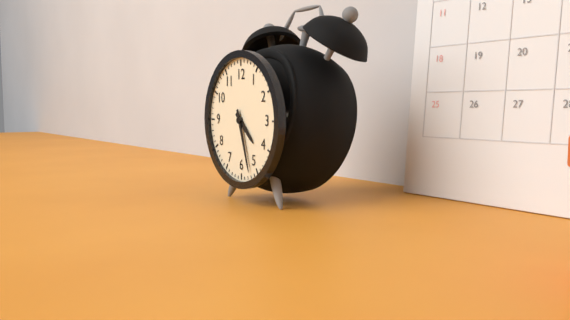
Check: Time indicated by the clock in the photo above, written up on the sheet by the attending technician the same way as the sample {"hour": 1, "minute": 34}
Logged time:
{"hour": 4, "minute": 27}
